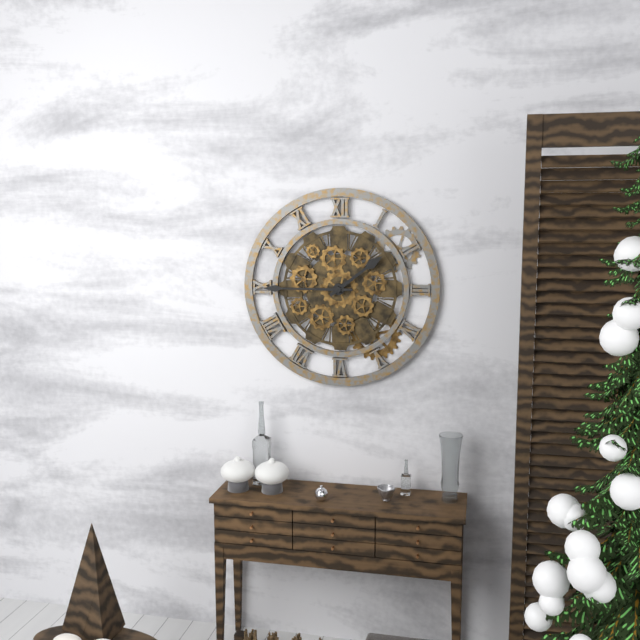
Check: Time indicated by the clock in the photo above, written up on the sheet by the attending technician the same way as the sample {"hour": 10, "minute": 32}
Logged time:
{"hour": 1, "minute": 45}
